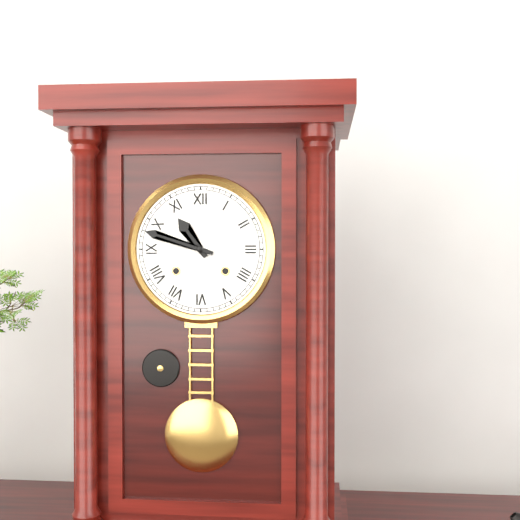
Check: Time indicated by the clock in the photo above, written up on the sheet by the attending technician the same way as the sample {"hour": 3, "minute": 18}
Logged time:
{"hour": 10, "minute": 48}
